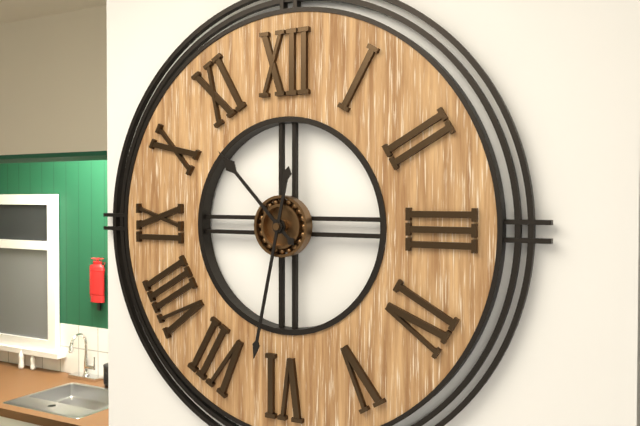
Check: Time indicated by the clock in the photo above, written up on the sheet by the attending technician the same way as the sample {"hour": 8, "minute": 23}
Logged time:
{"hour": 10, "minute": 32}
